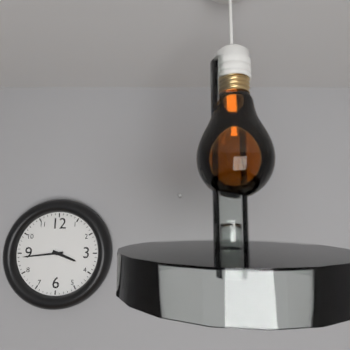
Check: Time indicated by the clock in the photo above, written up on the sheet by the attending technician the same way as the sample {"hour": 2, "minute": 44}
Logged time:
{"hour": 3, "minute": 44}
